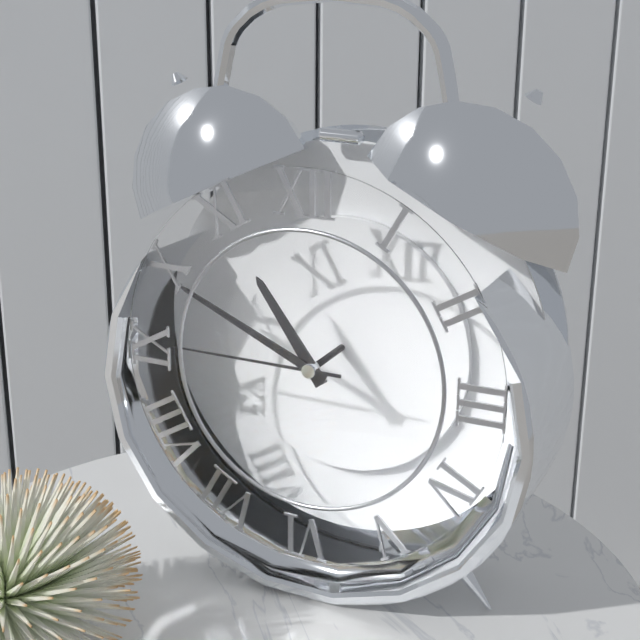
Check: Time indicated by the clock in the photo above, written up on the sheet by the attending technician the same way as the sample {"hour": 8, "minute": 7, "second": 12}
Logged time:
{"hour": 10, "minute": 49, "second": 45}
